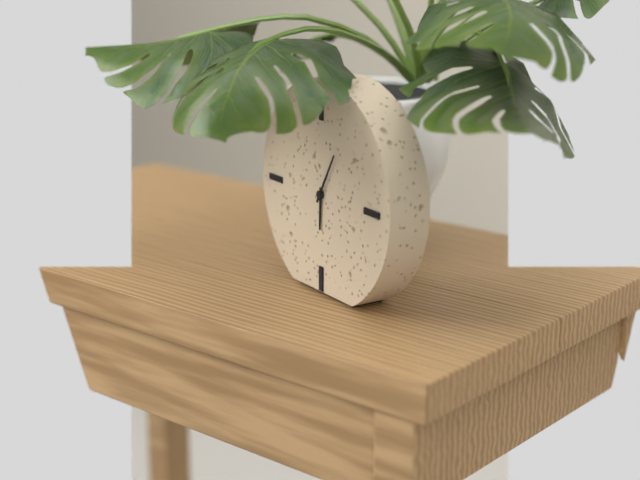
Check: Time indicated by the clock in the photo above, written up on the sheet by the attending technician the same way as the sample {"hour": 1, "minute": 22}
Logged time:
{"hour": 6, "minute": 5}
